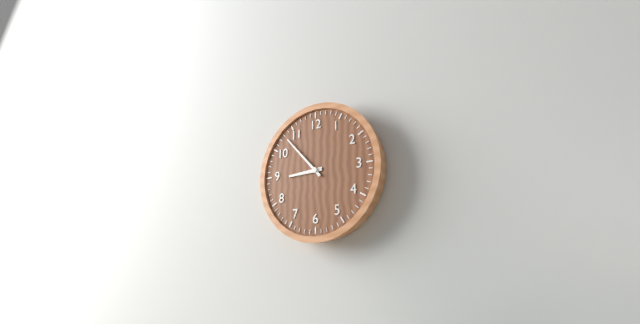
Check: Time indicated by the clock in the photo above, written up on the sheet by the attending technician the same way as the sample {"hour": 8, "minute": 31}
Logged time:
{"hour": 8, "minute": 53}
